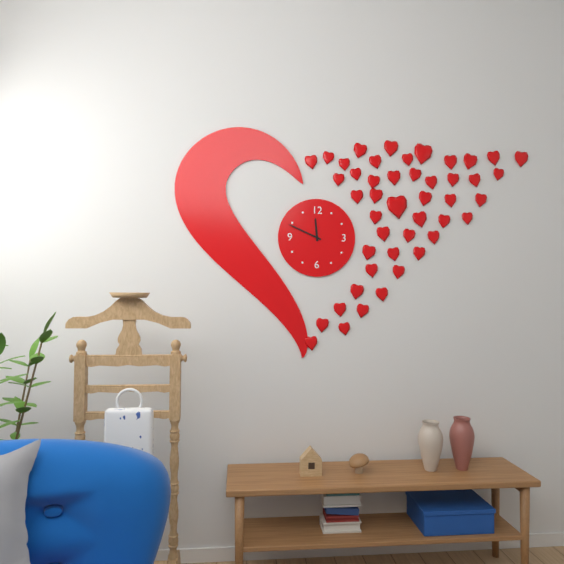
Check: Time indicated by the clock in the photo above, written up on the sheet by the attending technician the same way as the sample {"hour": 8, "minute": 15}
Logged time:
{"hour": 11, "minute": 49}
